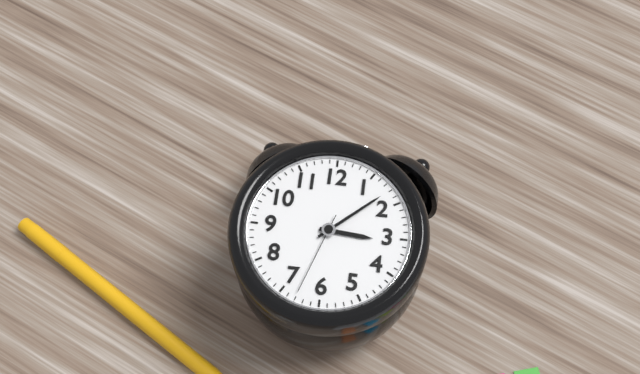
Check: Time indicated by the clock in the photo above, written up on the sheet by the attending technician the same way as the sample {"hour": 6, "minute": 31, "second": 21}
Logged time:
{"hour": 3, "minute": 8, "second": 33}
